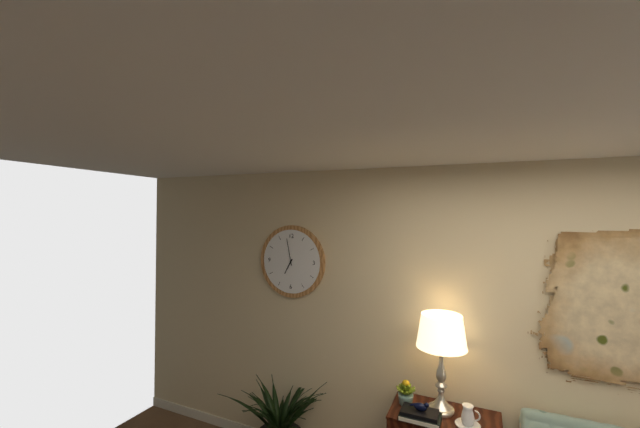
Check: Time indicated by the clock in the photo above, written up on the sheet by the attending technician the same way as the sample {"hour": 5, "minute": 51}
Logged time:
{"hour": 6, "minute": 58}
